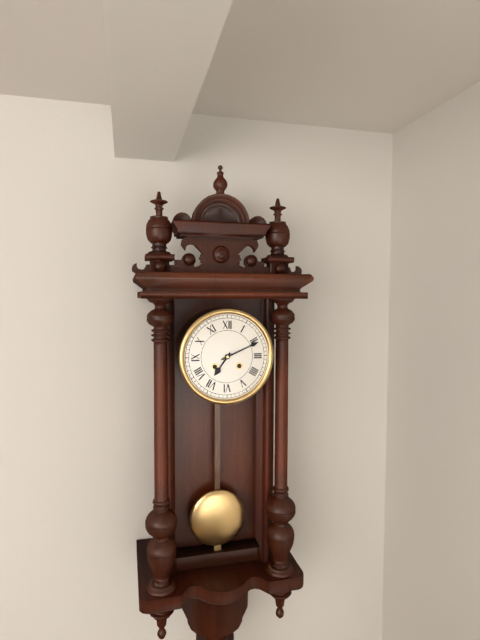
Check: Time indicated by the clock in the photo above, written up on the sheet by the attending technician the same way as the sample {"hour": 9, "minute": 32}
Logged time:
{"hour": 7, "minute": 11}
